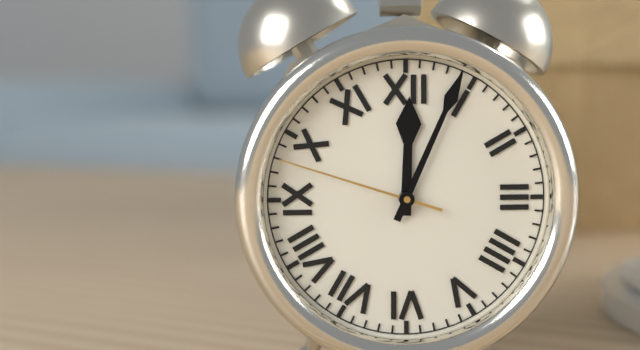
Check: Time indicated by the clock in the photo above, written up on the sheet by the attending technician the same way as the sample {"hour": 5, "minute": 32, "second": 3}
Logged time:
{"hour": 12, "minute": 4, "second": 48}
